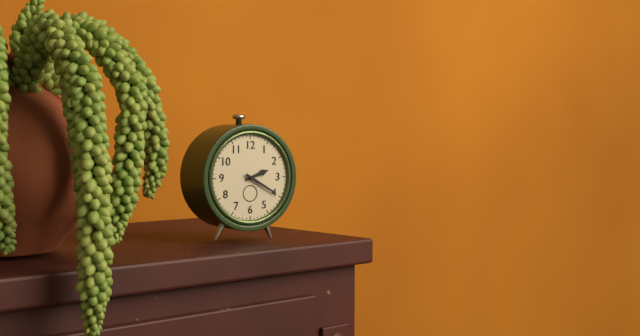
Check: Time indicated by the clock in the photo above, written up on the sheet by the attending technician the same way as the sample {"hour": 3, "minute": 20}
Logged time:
{"hour": 2, "minute": 20}
